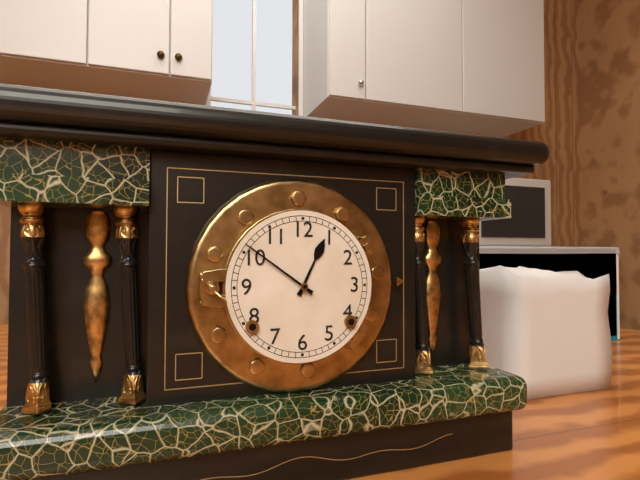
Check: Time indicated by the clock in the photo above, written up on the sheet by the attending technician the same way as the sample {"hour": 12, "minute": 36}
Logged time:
{"hour": 12, "minute": 51}
